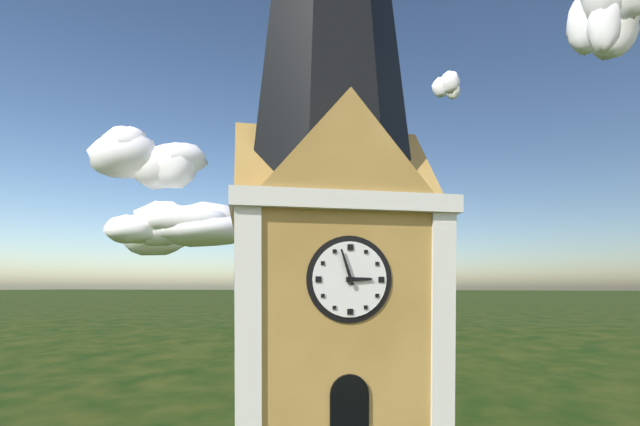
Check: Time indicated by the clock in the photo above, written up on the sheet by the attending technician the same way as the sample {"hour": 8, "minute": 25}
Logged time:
{"hour": 2, "minute": 57}
